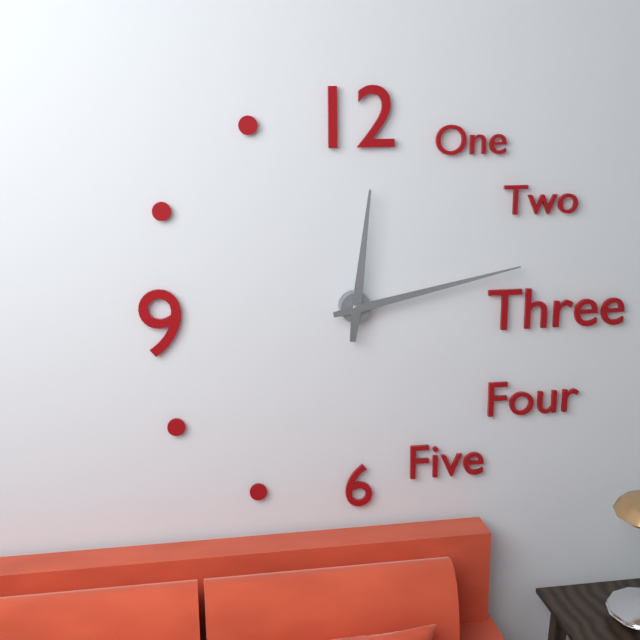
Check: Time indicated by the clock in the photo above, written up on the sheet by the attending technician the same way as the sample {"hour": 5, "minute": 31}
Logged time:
{"hour": 12, "minute": 13}
